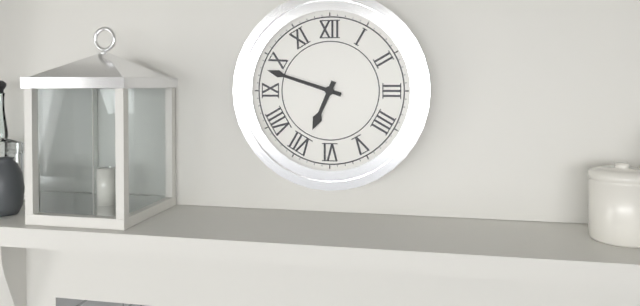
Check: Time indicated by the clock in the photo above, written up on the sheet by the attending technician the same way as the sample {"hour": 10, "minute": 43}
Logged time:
{"hour": 6, "minute": 48}
